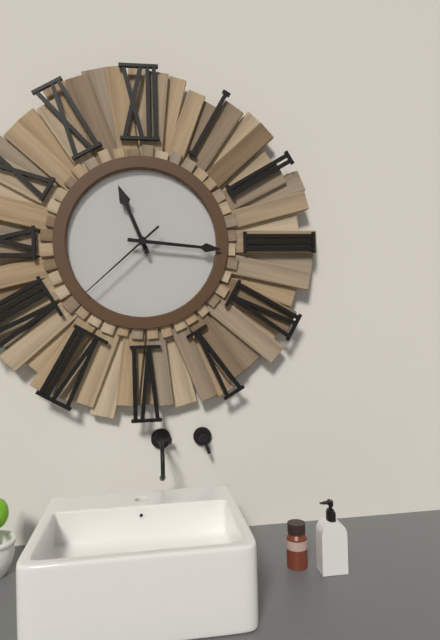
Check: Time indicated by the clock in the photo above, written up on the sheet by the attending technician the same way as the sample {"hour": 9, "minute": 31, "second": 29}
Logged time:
{"hour": 11, "minute": 16, "second": 38}
